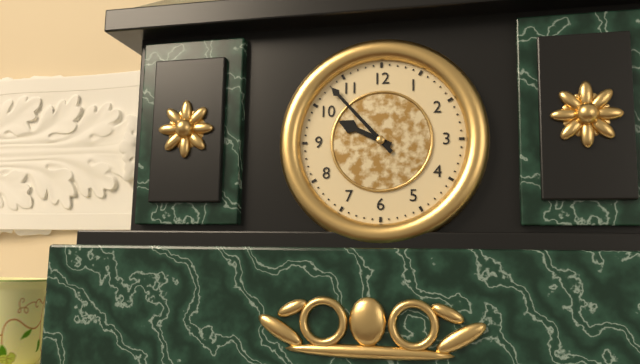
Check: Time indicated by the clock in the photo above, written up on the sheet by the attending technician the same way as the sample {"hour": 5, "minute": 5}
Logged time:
{"hour": 9, "minute": 53}
